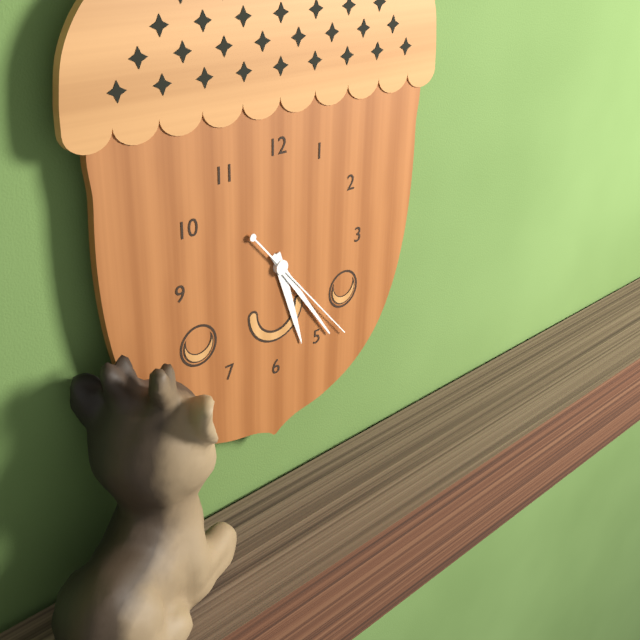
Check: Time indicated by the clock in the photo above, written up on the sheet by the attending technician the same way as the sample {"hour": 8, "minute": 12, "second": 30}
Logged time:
{"hour": 5, "minute": 24, "second": 23}
